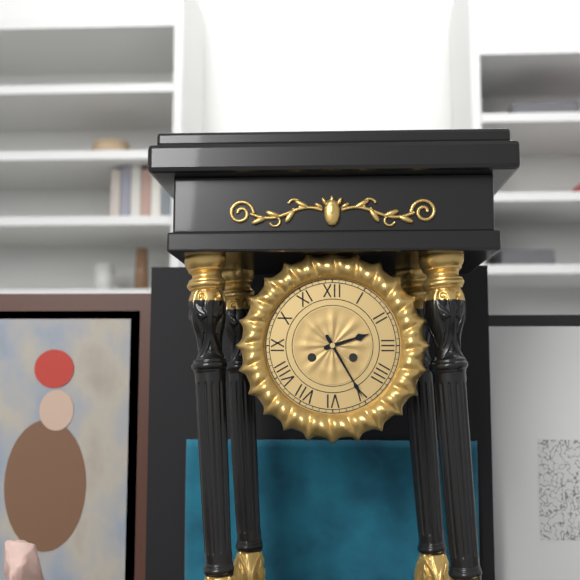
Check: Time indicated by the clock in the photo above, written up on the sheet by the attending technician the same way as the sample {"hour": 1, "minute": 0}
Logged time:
{"hour": 2, "minute": 25}
